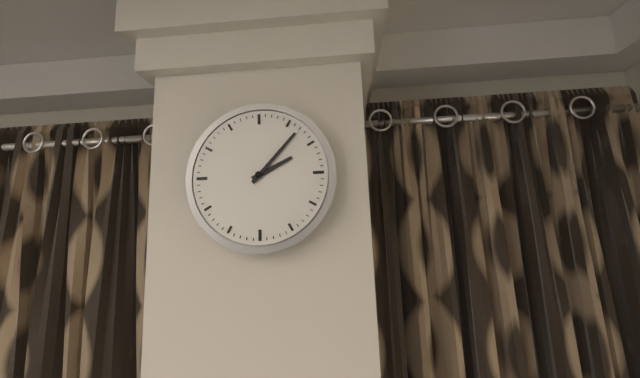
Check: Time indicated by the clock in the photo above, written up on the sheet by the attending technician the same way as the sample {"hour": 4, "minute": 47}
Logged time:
{"hour": 2, "minute": 7}
